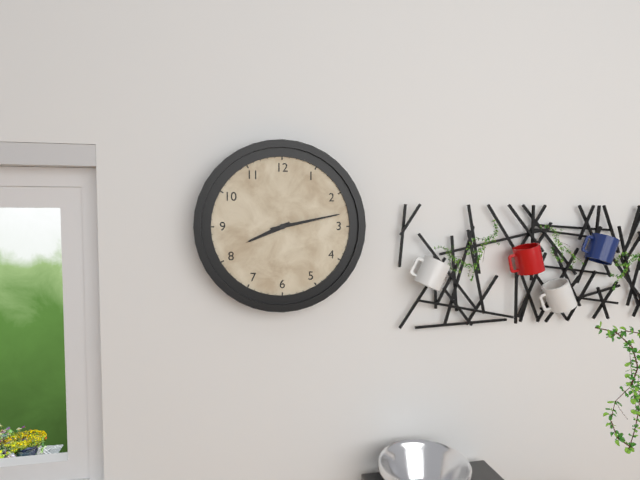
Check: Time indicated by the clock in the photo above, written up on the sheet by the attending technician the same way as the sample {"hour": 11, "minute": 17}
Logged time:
{"hour": 8, "minute": 13}
